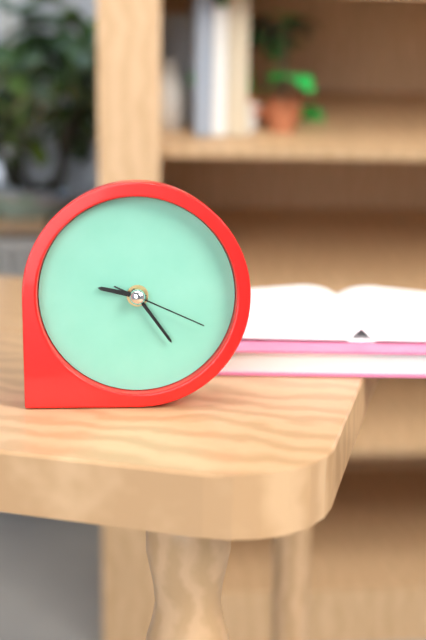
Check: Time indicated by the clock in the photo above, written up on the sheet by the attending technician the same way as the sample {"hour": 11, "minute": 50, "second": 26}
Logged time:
{"hour": 9, "minute": 24, "second": 19}
